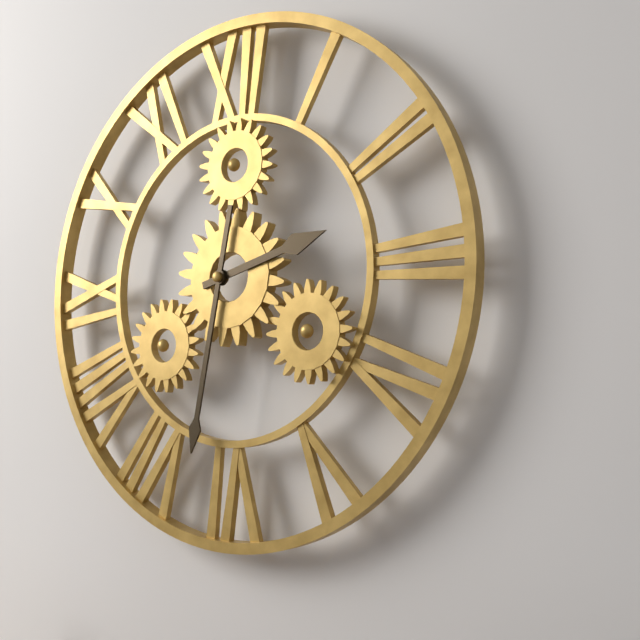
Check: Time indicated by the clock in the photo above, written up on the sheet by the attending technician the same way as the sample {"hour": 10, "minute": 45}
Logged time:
{"hour": 2, "minute": 32}
